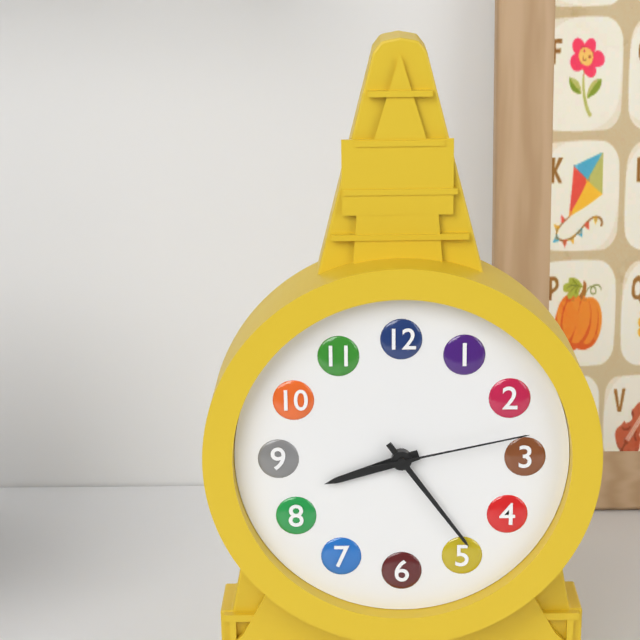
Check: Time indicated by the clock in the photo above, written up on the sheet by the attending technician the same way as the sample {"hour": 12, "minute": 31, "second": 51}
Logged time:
{"hour": 8, "minute": 24, "second": 13}
